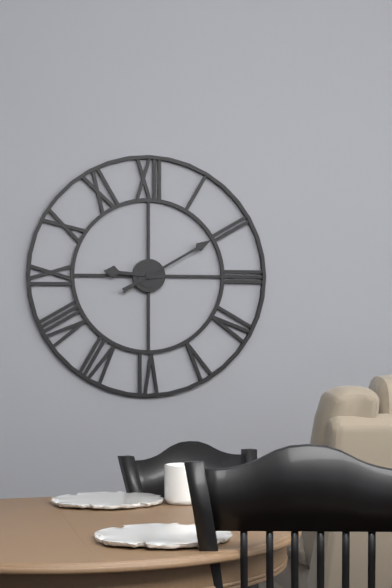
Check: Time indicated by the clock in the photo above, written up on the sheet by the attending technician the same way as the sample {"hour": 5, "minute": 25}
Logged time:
{"hour": 9, "minute": 10}
